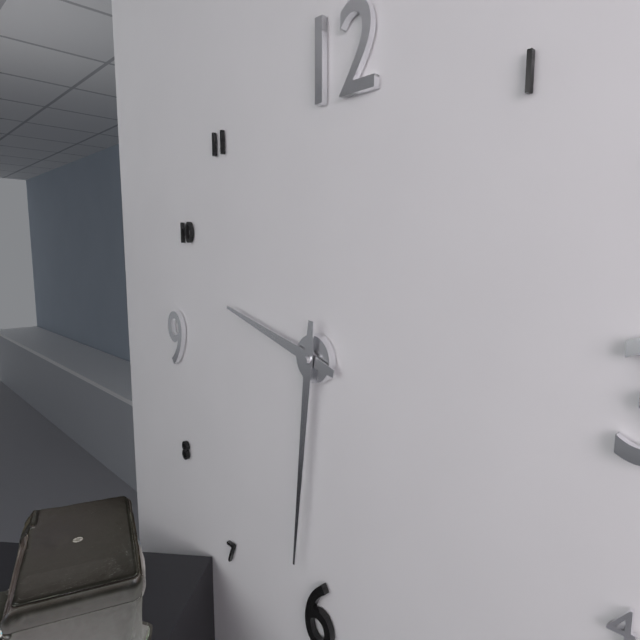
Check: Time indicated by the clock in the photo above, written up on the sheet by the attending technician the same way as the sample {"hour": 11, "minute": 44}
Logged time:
{"hour": 9, "minute": 31}
